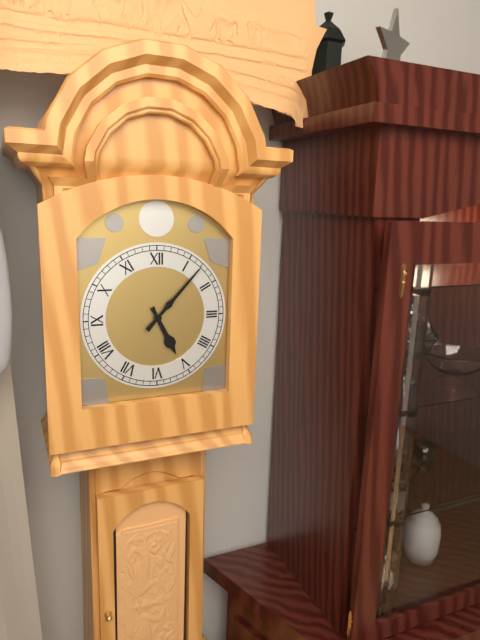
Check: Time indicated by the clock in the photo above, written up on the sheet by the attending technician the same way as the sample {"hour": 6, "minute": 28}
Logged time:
{"hour": 5, "minute": 7}
